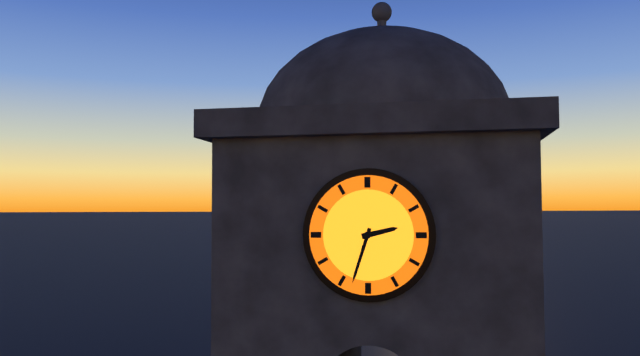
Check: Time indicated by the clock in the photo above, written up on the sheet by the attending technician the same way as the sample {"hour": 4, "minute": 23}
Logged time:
{"hour": 2, "minute": 33}
